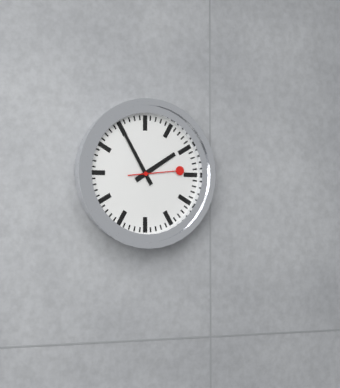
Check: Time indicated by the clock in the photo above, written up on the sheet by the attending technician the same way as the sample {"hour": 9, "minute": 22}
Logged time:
{"hour": 1, "minute": 55}
